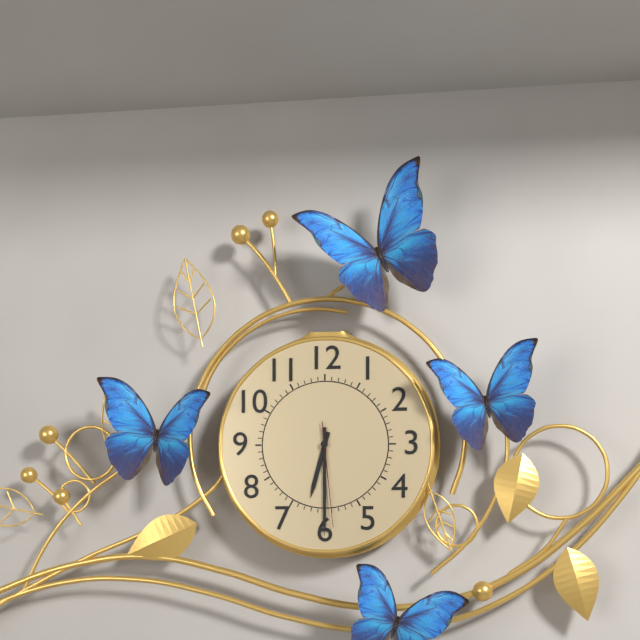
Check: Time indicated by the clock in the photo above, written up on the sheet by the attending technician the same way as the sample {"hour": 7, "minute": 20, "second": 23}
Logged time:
{"hour": 6, "minute": 30, "second": 29}
